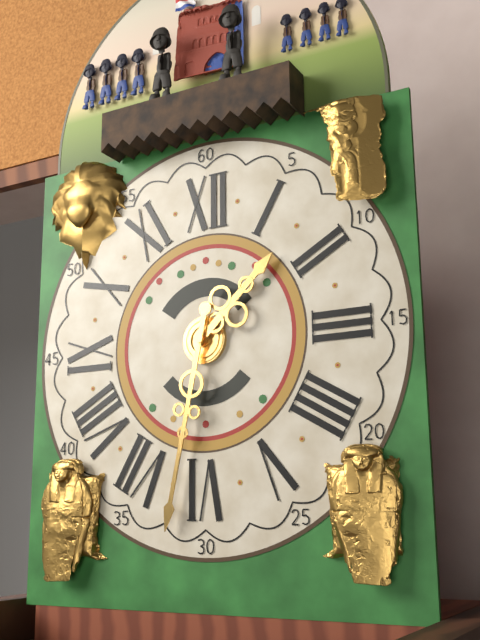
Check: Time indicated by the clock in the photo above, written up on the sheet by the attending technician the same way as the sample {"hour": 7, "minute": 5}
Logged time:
{"hour": 1, "minute": 32}
